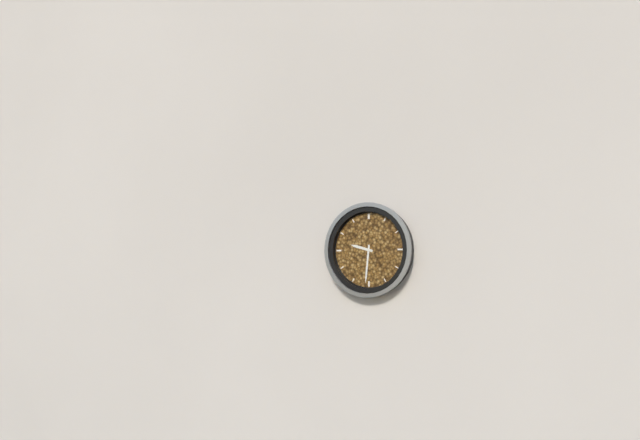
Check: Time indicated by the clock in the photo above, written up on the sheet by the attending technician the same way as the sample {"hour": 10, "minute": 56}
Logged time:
{"hour": 9, "minute": 31}
